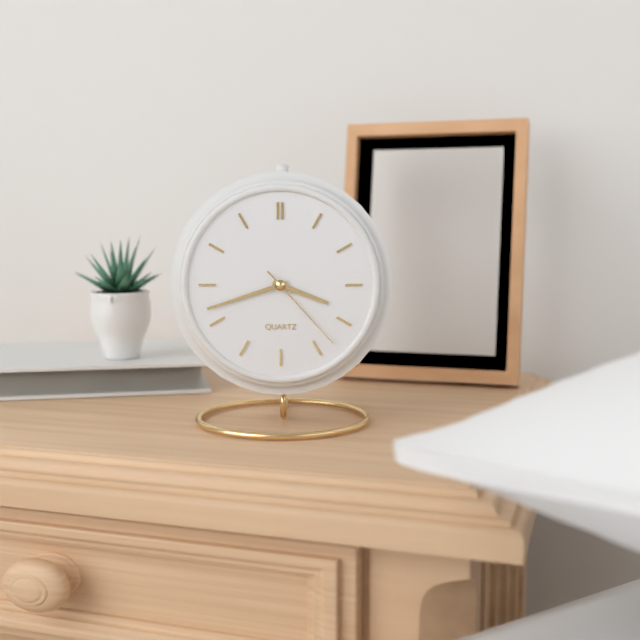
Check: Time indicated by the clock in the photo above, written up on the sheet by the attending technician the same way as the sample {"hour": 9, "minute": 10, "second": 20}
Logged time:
{"hour": 3, "minute": 42, "second": 23}
